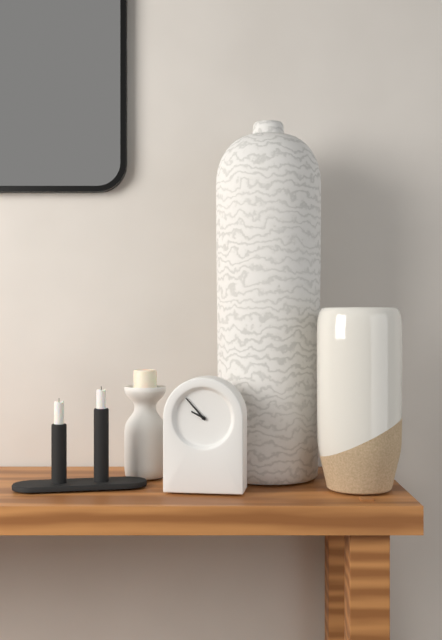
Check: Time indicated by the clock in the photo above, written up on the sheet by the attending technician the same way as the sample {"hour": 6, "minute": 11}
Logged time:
{"hour": 9, "minute": 53}
